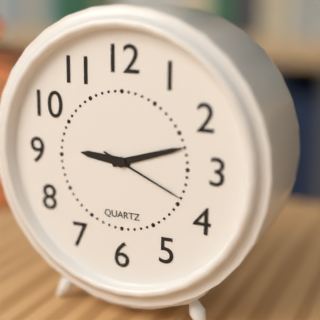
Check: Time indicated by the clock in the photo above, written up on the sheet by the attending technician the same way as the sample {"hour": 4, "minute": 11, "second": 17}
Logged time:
{"hour": 9, "minute": 12, "second": 19}
